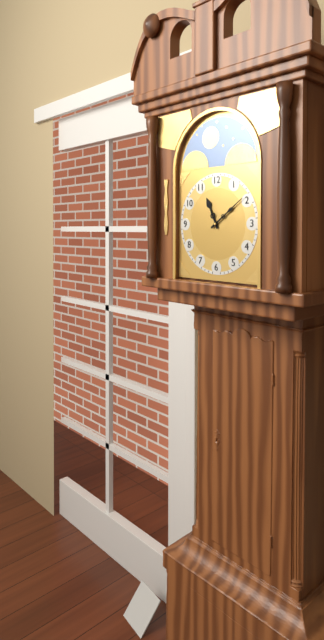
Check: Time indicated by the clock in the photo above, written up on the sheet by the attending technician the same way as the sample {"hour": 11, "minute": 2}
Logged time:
{"hour": 11, "minute": 9}
